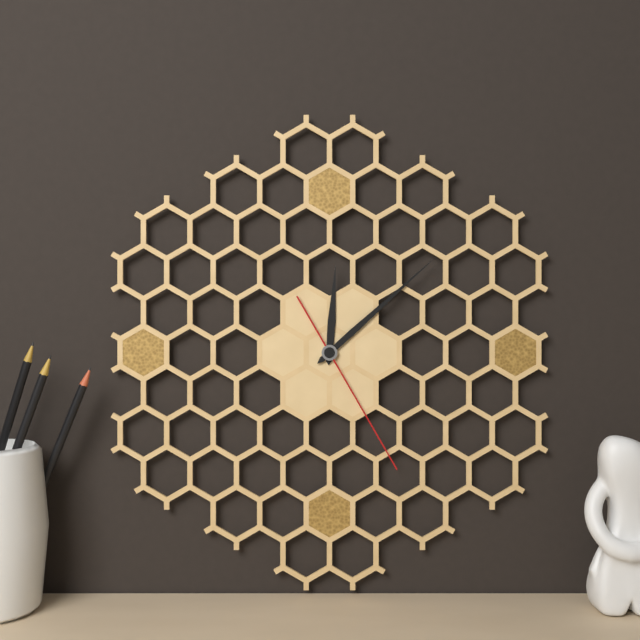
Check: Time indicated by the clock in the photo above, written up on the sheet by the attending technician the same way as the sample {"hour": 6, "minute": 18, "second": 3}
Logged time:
{"hour": 12, "minute": 8, "second": 25}
